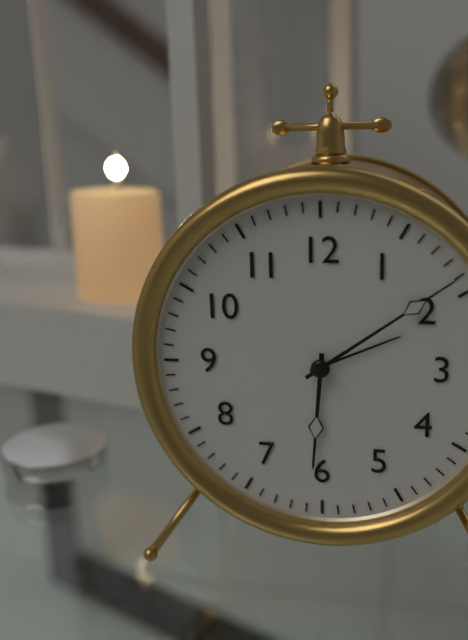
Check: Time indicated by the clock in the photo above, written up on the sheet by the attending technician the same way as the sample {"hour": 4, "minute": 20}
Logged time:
{"hour": 6, "minute": 9}
